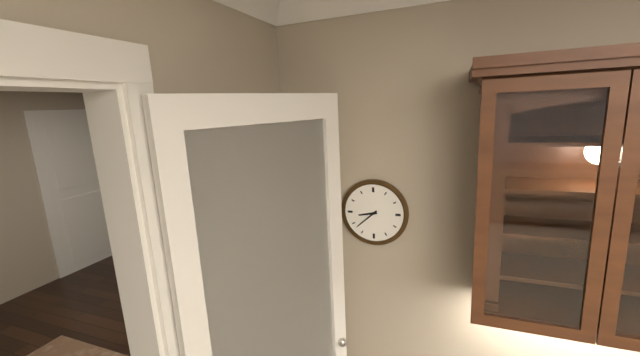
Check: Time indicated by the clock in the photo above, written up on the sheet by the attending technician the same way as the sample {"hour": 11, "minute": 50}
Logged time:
{"hour": 8, "minute": 38}
